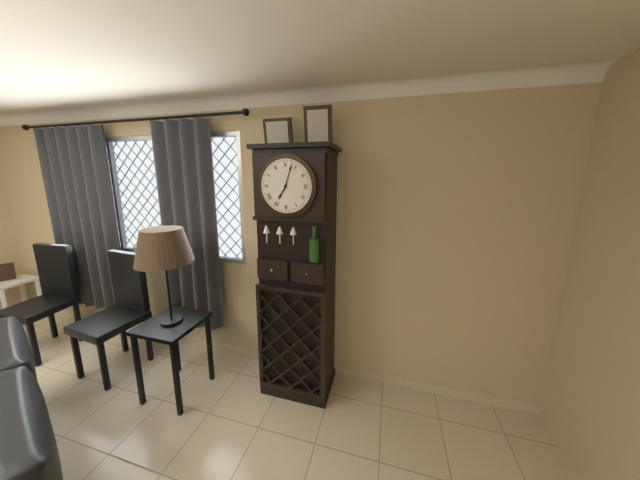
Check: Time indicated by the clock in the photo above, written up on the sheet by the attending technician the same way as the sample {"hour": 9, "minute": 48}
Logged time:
{"hour": 7, "minute": 3}
